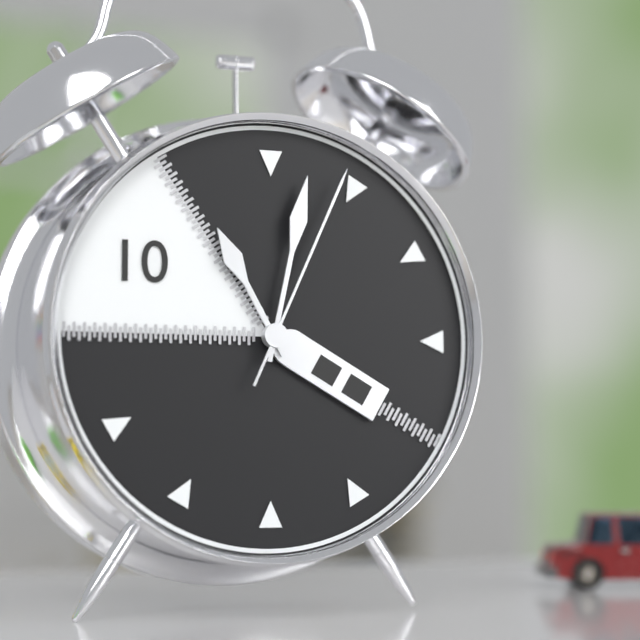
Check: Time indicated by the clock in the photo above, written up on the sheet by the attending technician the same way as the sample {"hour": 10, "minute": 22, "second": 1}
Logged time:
{"hour": 11, "minute": 2, "second": 4}
